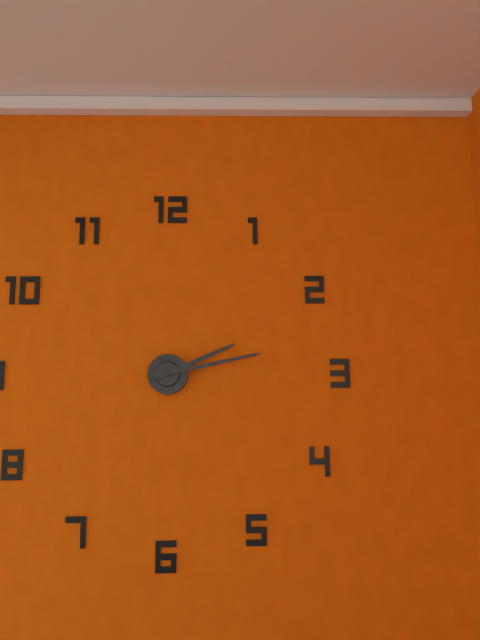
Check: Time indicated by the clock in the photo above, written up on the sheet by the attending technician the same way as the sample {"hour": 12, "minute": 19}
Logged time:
{"hour": 2, "minute": 13}
